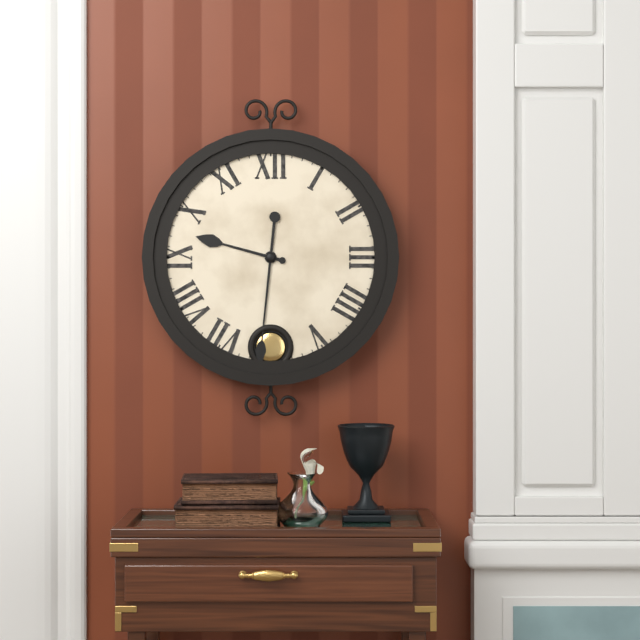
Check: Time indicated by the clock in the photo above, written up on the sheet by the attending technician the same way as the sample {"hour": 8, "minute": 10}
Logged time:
{"hour": 9, "minute": 31}
